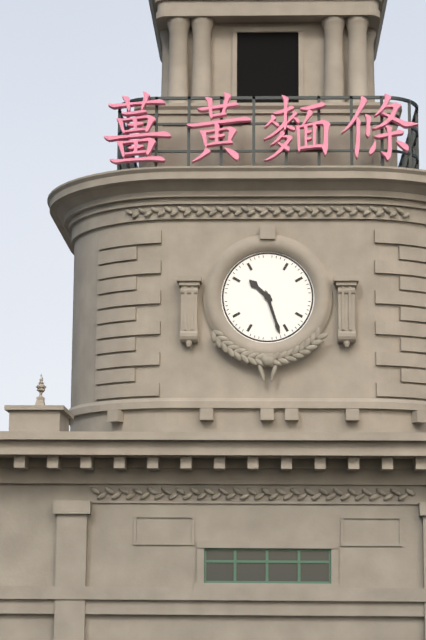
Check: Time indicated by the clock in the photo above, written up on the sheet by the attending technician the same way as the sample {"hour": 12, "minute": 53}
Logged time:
{"hour": 10, "minute": 27}
